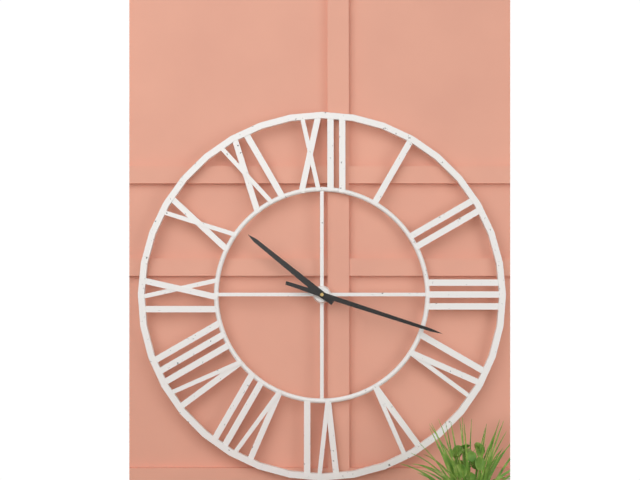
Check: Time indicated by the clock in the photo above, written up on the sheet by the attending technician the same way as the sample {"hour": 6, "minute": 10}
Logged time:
{"hour": 10, "minute": 18}
